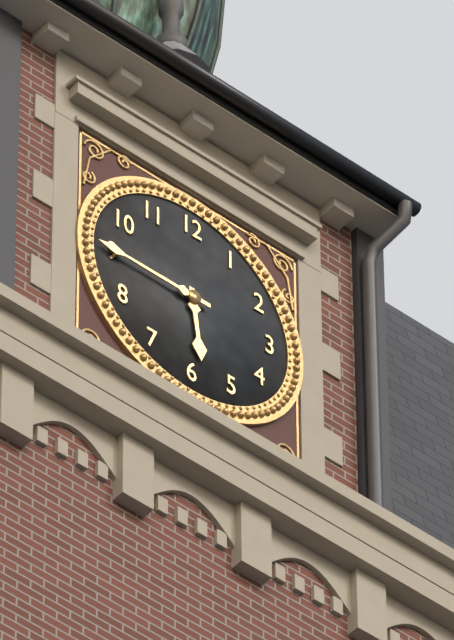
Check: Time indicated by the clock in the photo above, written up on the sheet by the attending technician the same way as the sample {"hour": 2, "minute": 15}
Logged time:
{"hour": 5, "minute": 45}
